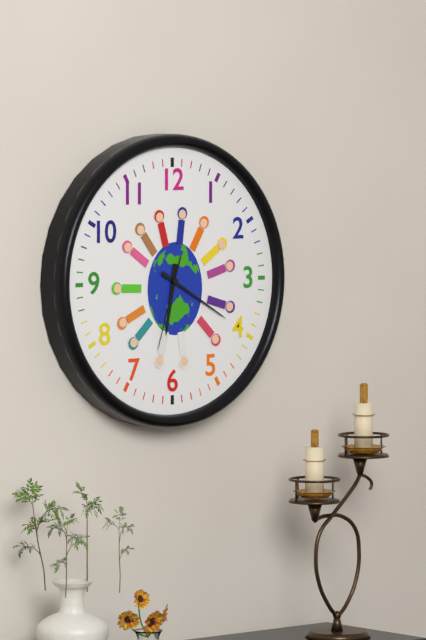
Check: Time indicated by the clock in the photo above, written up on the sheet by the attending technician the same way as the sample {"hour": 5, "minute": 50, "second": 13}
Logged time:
{"hour": 6, "minute": 20, "second": 33}
